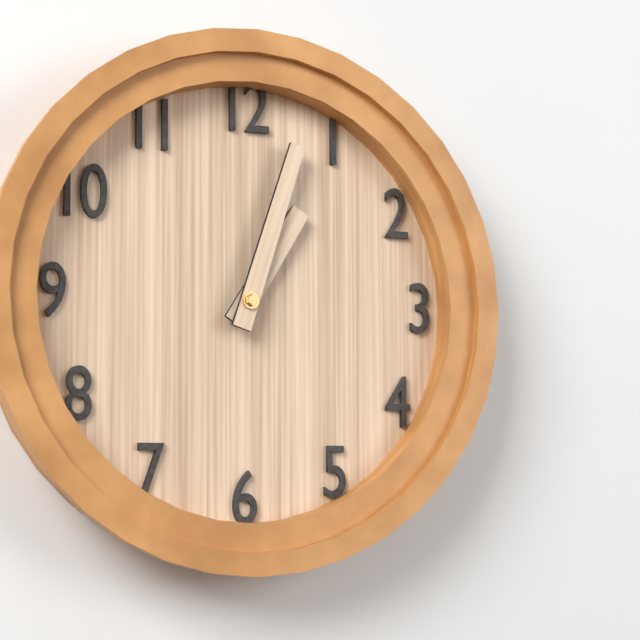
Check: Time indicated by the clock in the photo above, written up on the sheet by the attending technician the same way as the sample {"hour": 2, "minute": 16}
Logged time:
{"hour": 1, "minute": 3}
